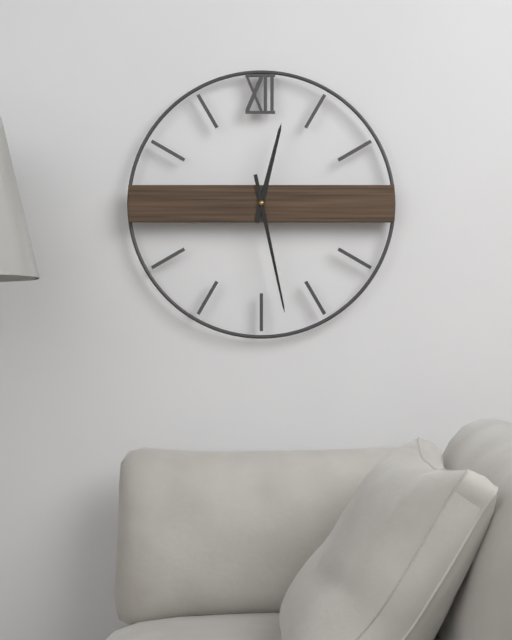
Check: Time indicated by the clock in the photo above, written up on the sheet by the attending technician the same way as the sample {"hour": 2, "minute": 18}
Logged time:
{"hour": 12, "minute": 28}
